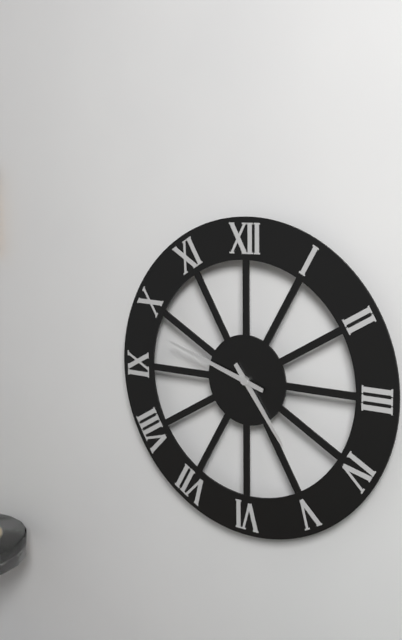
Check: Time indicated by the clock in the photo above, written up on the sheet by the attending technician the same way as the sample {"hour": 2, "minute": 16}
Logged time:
{"hour": 4, "minute": 48}
